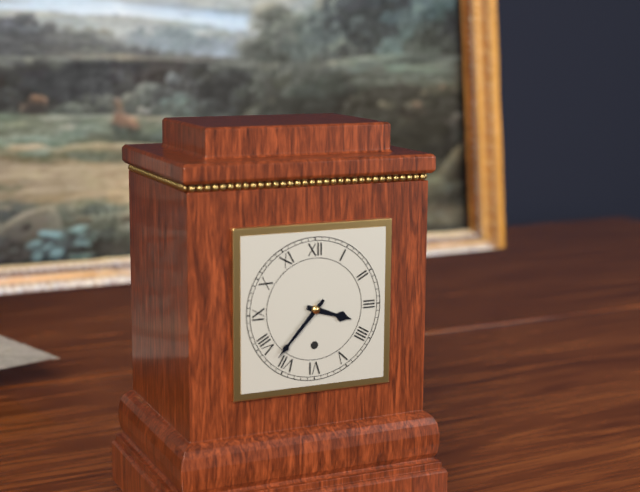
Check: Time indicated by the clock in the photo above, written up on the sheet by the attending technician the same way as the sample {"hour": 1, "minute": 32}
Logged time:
{"hour": 3, "minute": 37}
